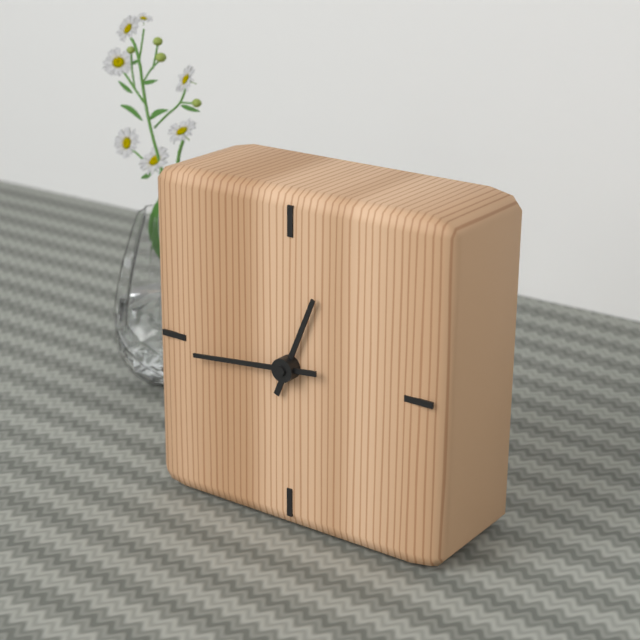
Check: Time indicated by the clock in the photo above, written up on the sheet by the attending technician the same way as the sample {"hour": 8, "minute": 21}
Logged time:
{"hour": 12, "minute": 44}
